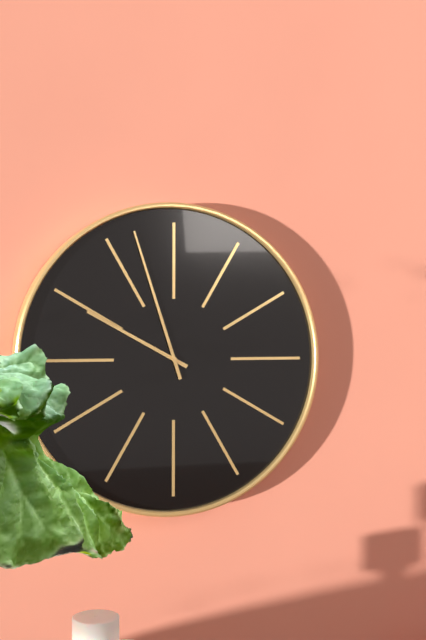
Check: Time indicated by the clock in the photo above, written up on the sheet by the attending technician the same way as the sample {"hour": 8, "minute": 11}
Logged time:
{"hour": 9, "minute": 57}
